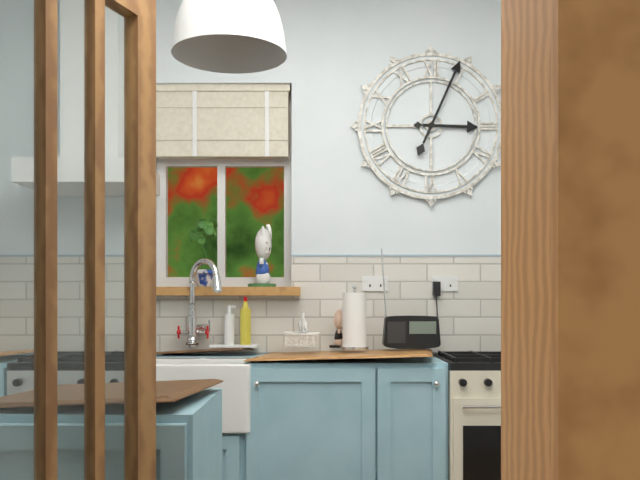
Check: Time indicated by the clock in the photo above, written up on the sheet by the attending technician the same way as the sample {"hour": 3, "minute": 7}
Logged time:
{"hour": 3, "minute": 4}
